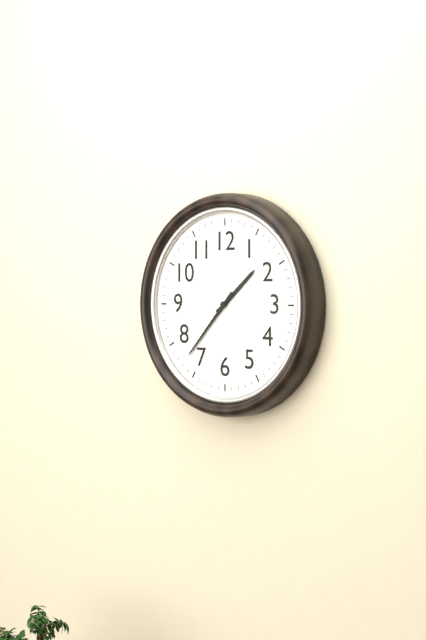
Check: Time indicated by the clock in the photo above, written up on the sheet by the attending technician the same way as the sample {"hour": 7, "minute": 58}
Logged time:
{"hour": 1, "minute": 37}
